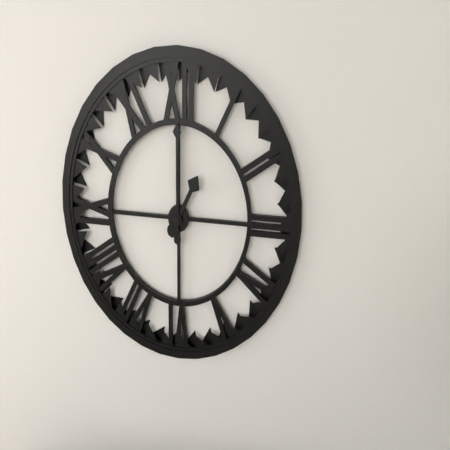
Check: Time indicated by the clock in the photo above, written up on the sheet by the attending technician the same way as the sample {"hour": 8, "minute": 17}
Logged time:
{"hour": 1, "minute": 0}
